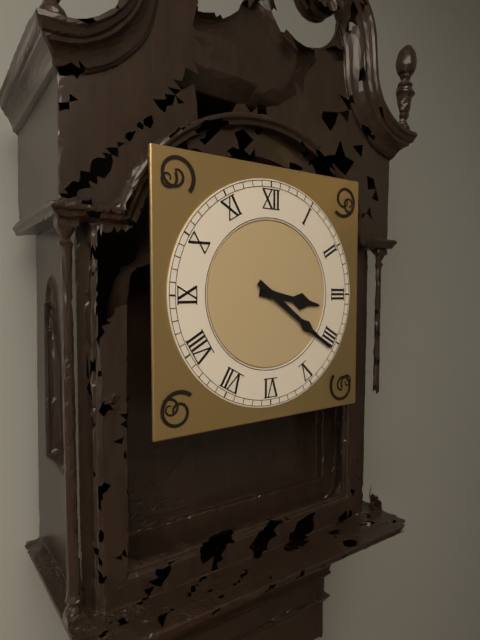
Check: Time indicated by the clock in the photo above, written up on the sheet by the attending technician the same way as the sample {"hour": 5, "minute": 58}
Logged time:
{"hour": 3, "minute": 21}
